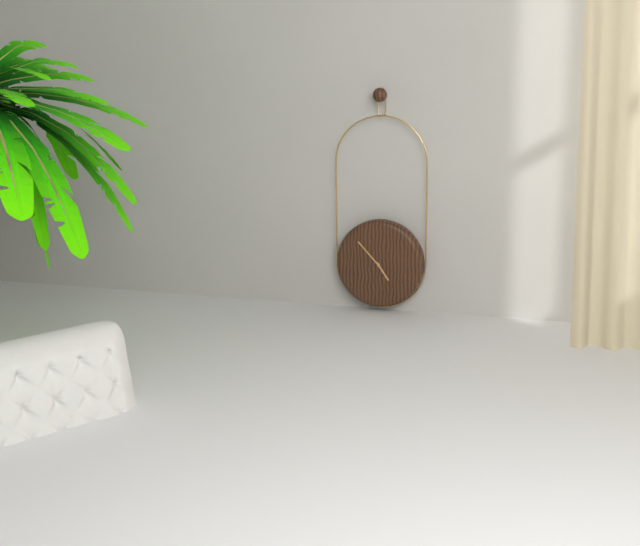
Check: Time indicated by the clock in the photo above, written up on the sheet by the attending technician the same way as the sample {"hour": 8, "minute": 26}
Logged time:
{"hour": 4, "minute": 53}
